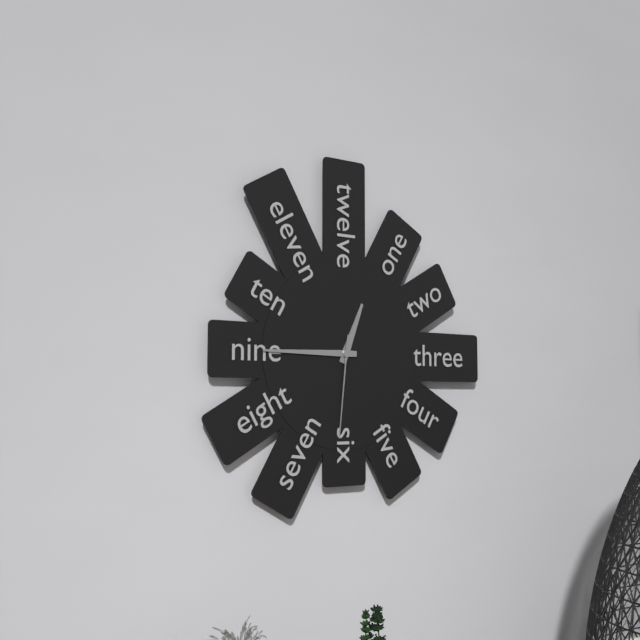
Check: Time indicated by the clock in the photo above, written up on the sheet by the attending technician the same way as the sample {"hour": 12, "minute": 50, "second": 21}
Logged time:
{"hour": 12, "minute": 45, "second": 31}
